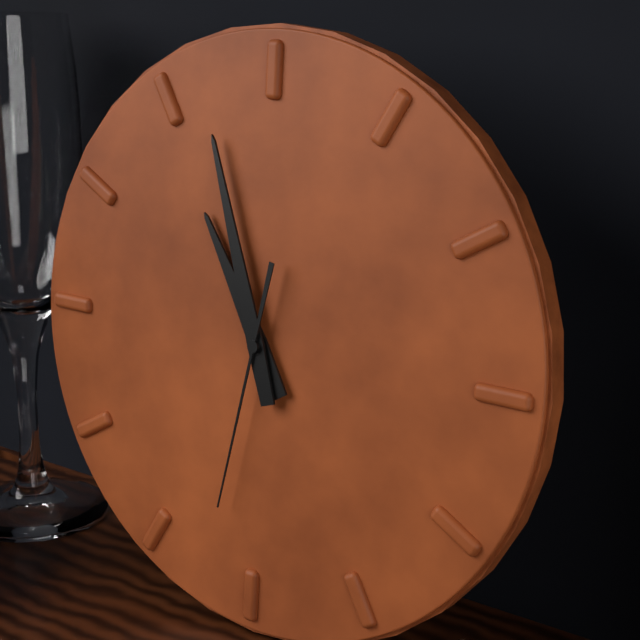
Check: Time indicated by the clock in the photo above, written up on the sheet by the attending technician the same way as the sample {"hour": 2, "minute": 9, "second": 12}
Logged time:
{"hour": 10, "minute": 57, "second": 32}
